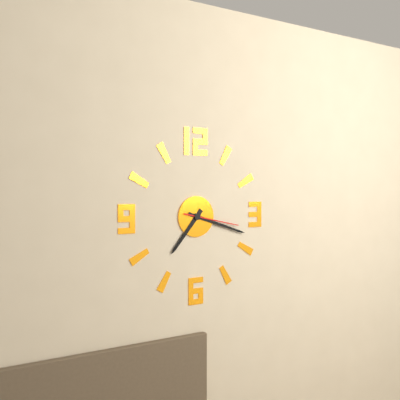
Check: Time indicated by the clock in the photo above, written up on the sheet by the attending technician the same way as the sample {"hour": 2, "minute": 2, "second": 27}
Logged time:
{"hour": 7, "minute": 18, "second": 17}
